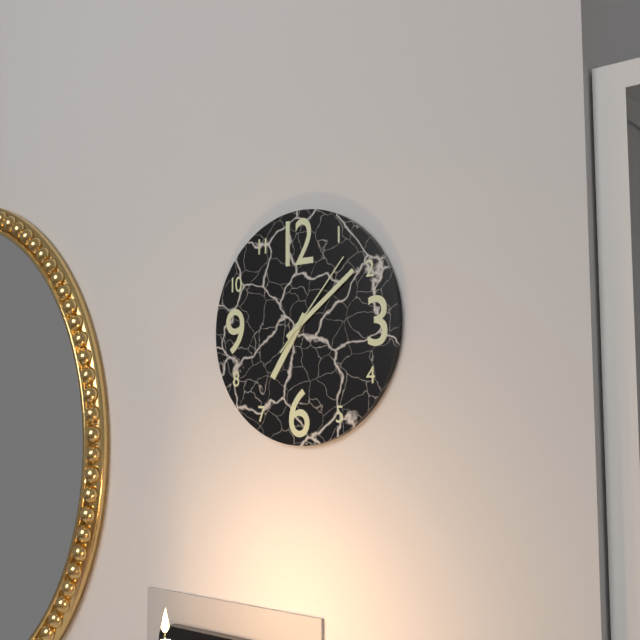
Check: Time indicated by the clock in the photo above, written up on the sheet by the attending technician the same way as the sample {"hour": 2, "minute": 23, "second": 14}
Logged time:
{"hour": 7, "minute": 9, "second": 7}
